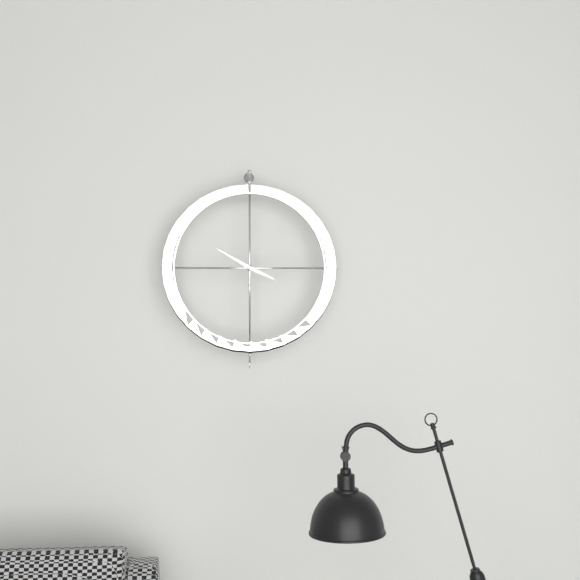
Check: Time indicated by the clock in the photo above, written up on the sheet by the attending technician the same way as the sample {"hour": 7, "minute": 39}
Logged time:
{"hour": 3, "minute": 50}
